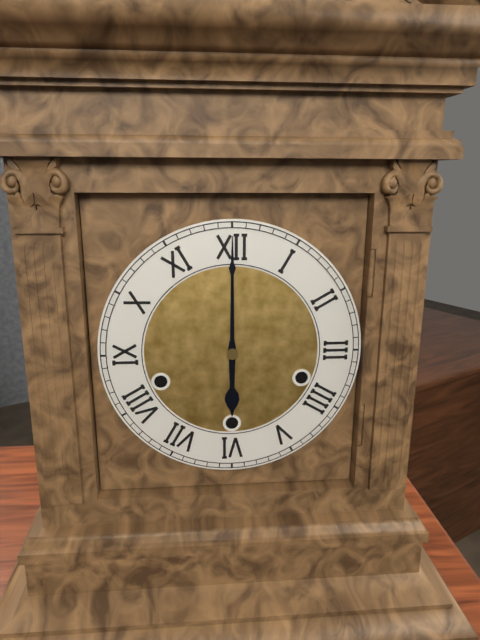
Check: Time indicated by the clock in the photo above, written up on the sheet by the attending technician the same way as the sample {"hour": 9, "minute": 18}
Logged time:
{"hour": 6, "minute": 0}
